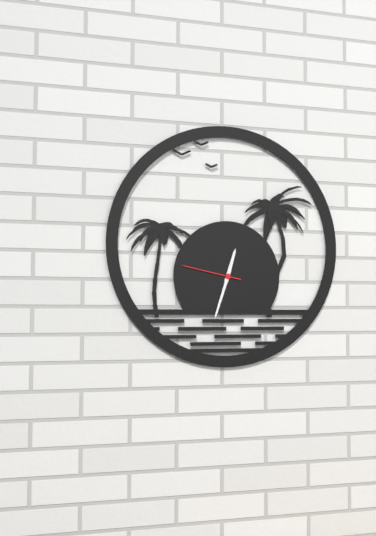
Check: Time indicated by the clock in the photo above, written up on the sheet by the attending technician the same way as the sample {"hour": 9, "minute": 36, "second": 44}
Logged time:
{"hour": 12, "minute": 33, "second": 47}
